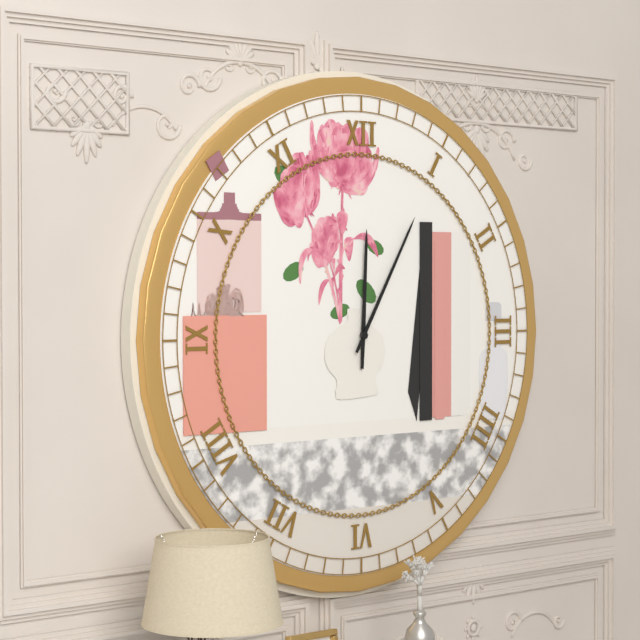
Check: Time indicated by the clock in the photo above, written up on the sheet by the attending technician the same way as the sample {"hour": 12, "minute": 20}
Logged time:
{"hour": 12, "minute": 5}
